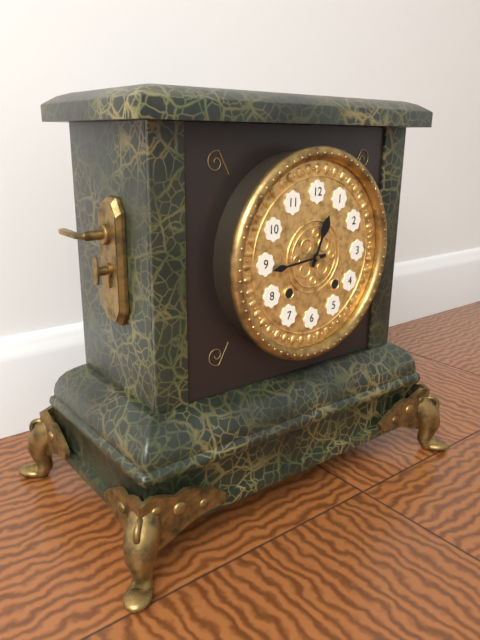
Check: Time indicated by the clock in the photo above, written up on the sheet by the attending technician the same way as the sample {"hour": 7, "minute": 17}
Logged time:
{"hour": 12, "minute": 44}
